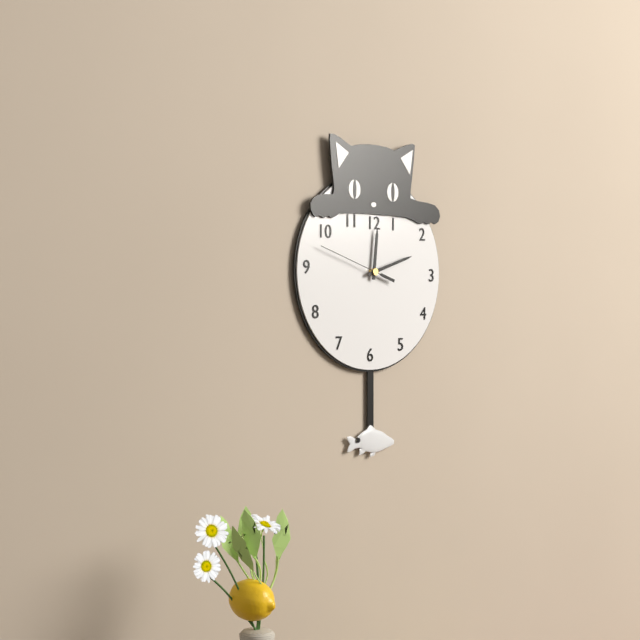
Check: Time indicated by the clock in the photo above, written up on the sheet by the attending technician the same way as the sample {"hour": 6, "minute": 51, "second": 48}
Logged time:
{"hour": 12, "minute": 12, "second": 48}
